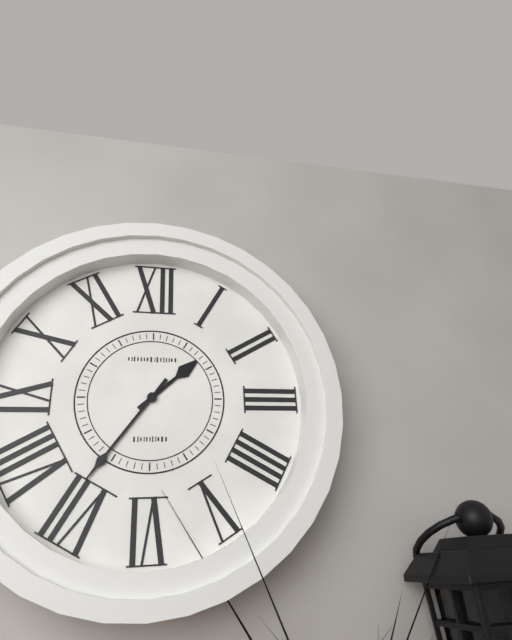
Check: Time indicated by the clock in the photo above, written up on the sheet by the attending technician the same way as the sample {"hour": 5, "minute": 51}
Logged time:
{"hour": 1, "minute": 36}
